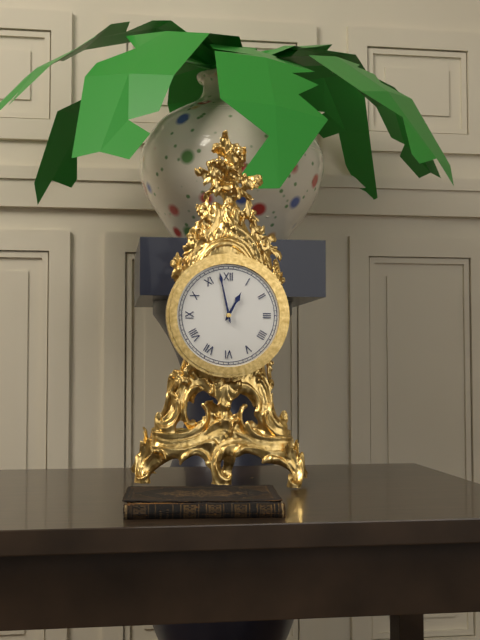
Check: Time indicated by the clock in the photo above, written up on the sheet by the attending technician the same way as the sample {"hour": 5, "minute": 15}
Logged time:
{"hour": 12, "minute": 58}
